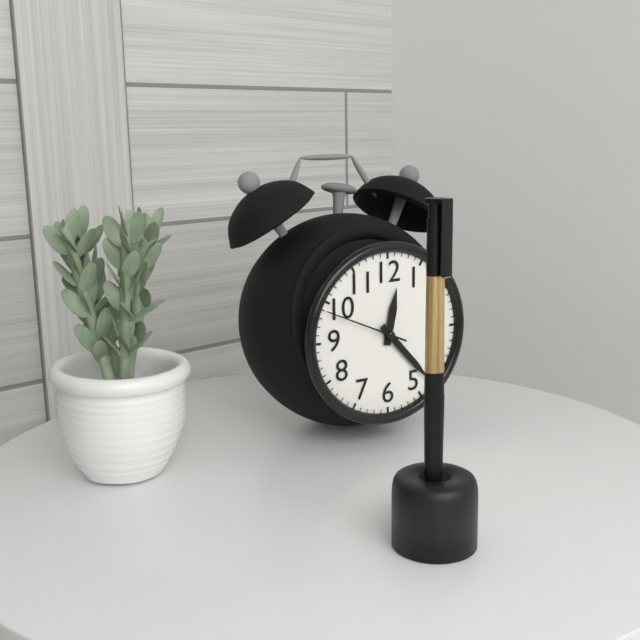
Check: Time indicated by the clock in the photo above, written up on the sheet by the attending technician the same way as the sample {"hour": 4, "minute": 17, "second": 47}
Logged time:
{"hour": 12, "minute": 23, "second": 49}
